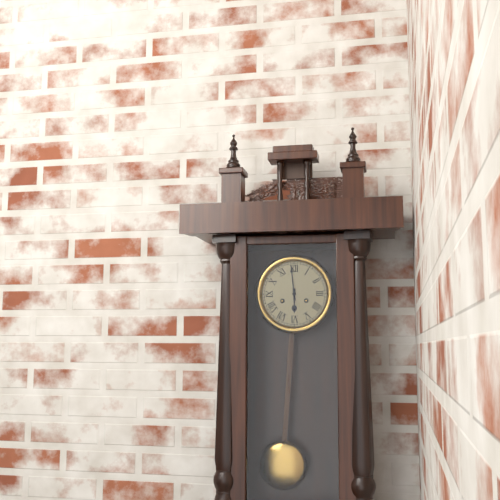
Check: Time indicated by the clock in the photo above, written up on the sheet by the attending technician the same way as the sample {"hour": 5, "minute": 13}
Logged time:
{"hour": 5, "minute": 59}
